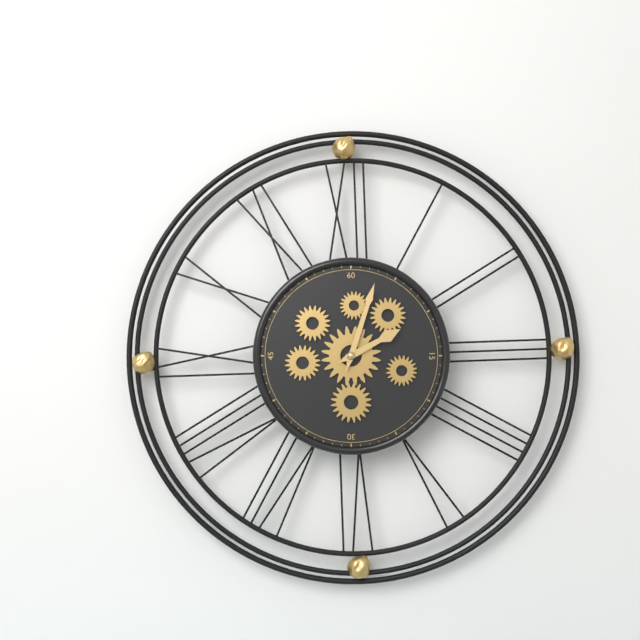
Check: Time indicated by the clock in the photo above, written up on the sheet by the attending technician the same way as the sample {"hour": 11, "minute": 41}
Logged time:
{"hour": 2, "minute": 3}
